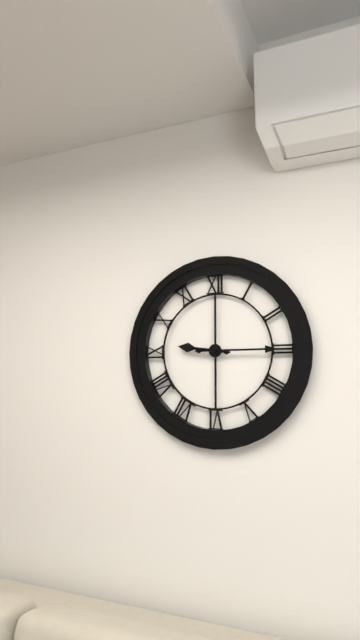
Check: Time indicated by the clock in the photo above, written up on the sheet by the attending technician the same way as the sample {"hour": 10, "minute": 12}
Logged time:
{"hour": 9, "minute": 15}
